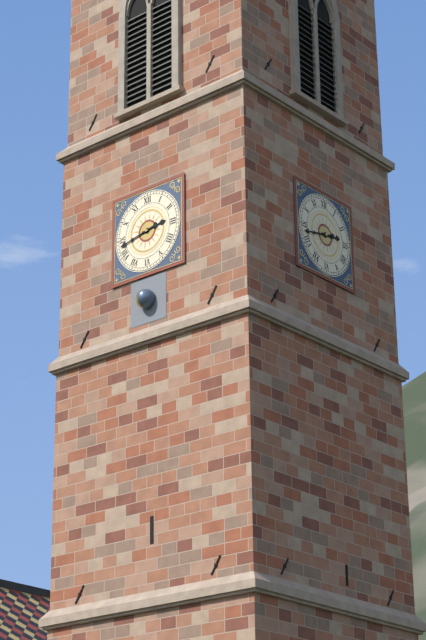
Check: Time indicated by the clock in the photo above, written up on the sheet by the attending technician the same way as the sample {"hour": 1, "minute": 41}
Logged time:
{"hour": 2, "minute": 43}
